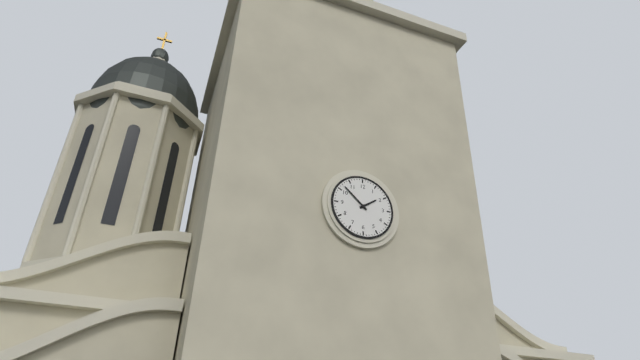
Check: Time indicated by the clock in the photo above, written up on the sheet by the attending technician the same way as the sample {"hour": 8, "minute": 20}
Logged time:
{"hour": 1, "minute": 52}
